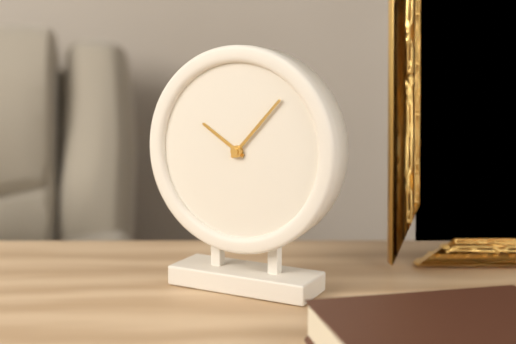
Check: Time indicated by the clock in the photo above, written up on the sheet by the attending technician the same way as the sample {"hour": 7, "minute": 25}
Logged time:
{"hour": 10, "minute": 7}
